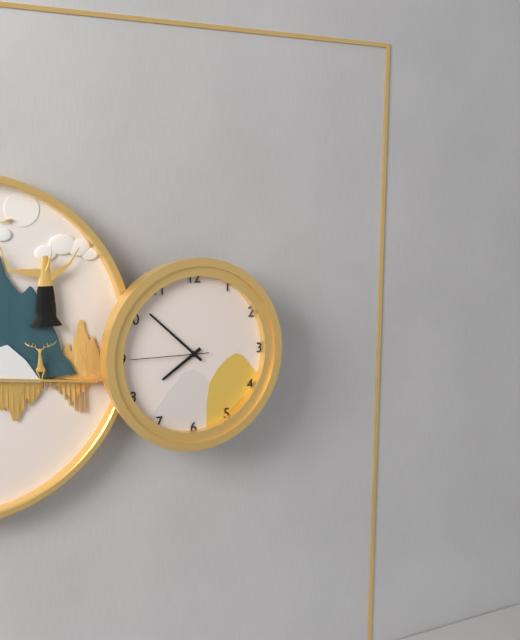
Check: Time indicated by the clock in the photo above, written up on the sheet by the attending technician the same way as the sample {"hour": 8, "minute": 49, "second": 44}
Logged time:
{"hour": 7, "minute": 52, "second": 45}
